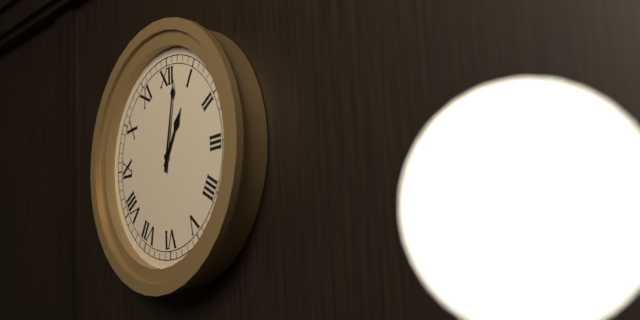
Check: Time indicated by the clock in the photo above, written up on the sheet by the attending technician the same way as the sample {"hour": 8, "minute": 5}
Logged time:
{"hour": 1, "minute": 2}
